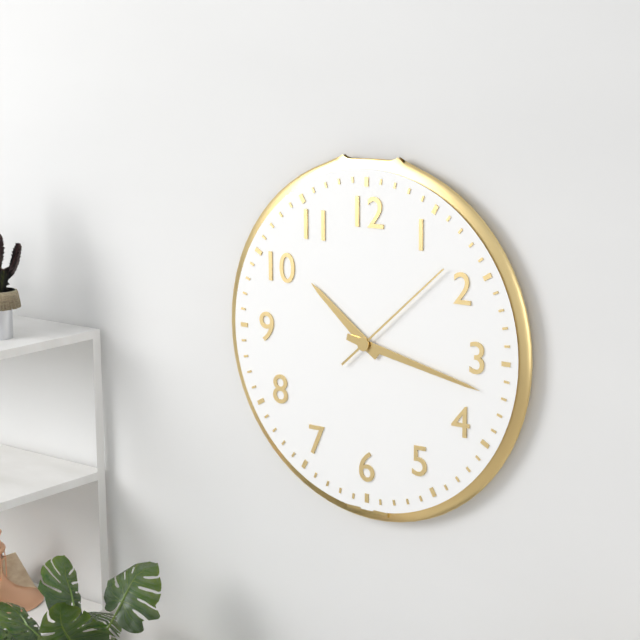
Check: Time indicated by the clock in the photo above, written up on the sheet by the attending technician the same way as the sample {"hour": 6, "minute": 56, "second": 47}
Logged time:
{"hour": 10, "minute": 17, "second": 8}
